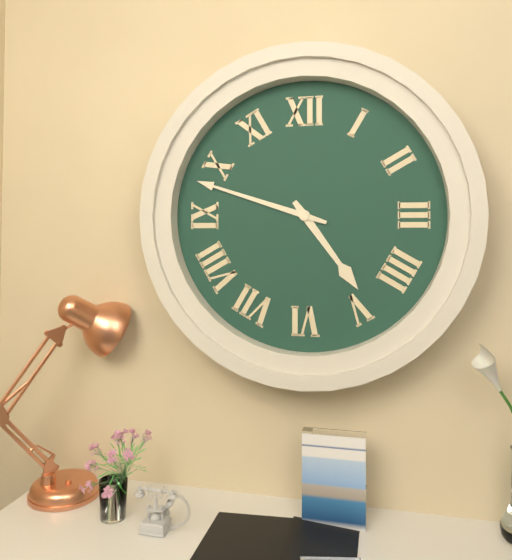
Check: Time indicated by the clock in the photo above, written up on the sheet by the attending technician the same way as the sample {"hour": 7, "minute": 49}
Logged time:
{"hour": 4, "minute": 48}
